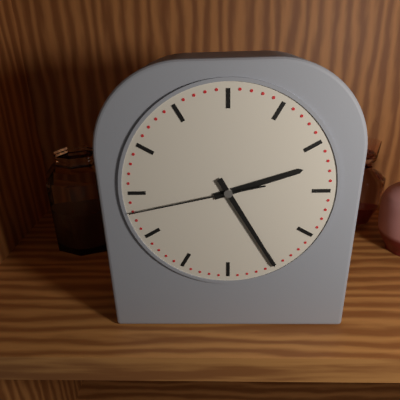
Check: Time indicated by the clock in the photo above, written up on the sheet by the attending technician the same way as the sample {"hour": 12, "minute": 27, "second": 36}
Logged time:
{"hour": 2, "minute": 25, "second": 43}
